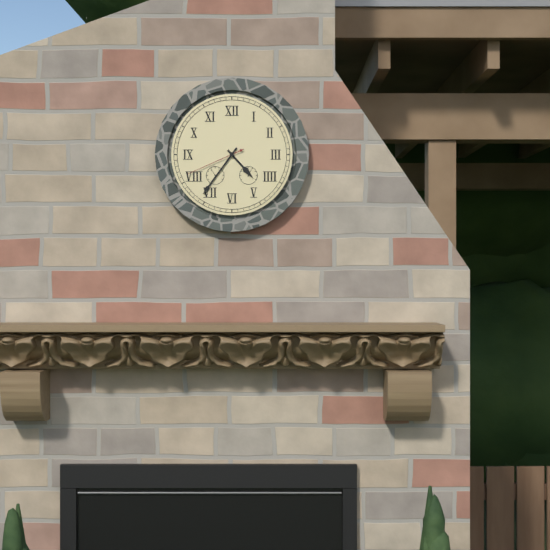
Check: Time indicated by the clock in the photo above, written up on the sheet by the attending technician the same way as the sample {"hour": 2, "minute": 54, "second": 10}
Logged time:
{"hour": 4, "minute": 36, "second": 41}
